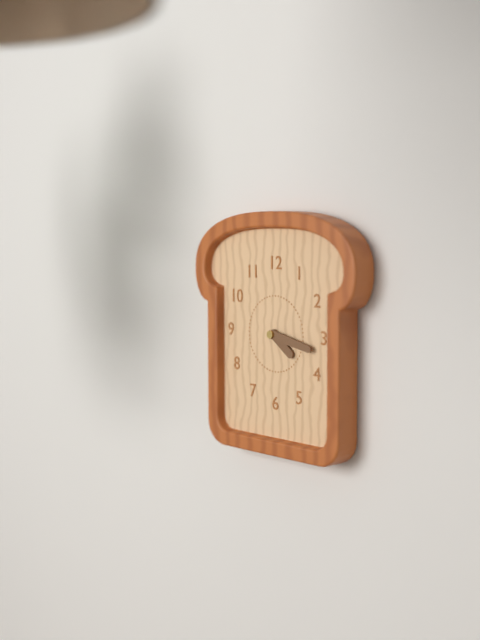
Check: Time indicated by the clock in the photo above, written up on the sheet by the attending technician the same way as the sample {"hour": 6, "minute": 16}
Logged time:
{"hour": 4, "minute": 17}
